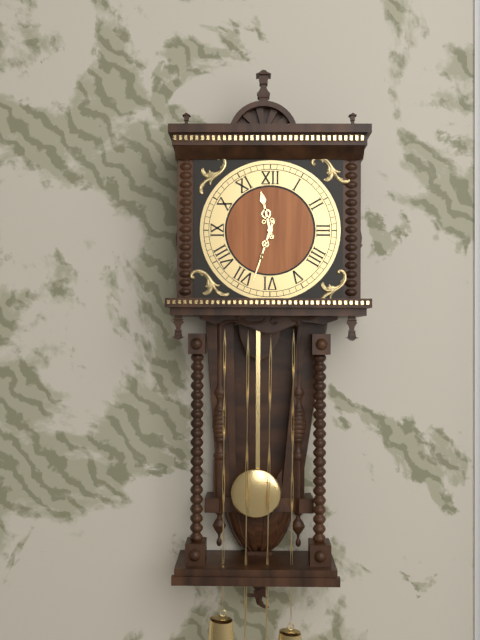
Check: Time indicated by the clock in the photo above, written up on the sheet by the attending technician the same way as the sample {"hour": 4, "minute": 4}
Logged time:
{"hour": 11, "minute": 33}
